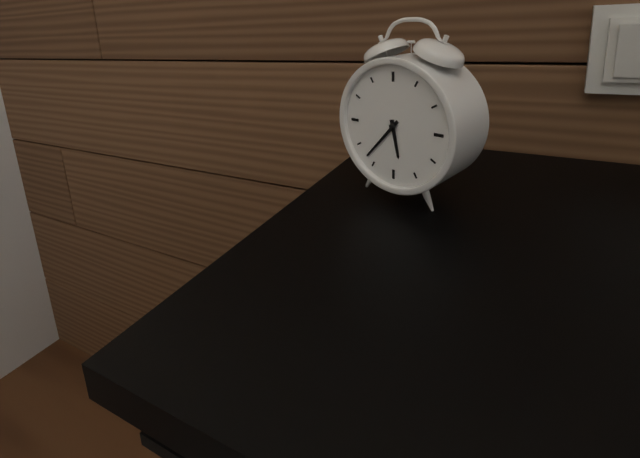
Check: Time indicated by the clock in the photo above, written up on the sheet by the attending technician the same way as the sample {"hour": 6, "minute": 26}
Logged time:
{"hour": 5, "minute": 37}
